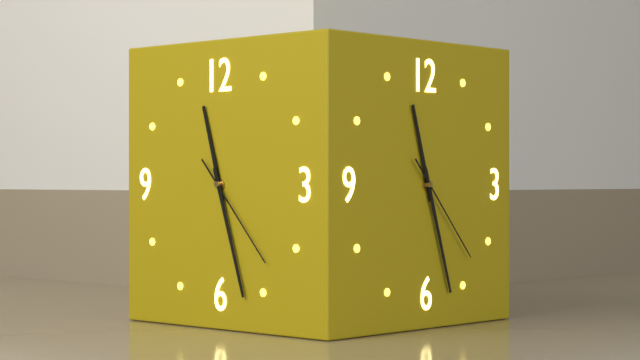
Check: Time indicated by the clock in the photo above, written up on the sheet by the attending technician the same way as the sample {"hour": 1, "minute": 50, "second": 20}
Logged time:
{"hour": 11, "minute": 27, "second": 23}
